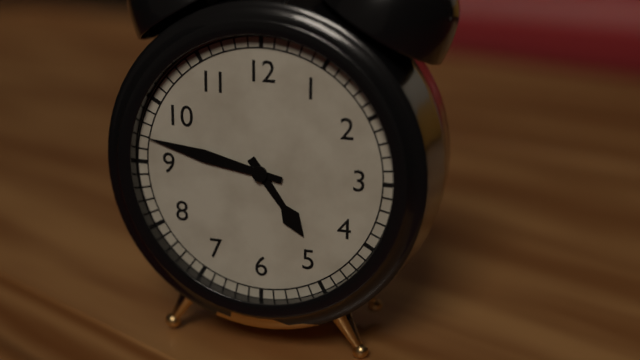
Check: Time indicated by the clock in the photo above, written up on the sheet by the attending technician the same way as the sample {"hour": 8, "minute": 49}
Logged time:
{"hour": 4, "minute": 47}
